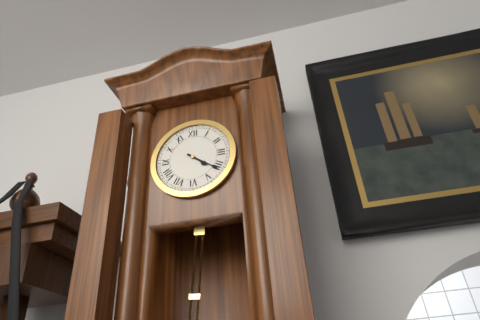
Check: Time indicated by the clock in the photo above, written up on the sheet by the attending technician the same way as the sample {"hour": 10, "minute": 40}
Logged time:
{"hour": 4, "minute": 21}
